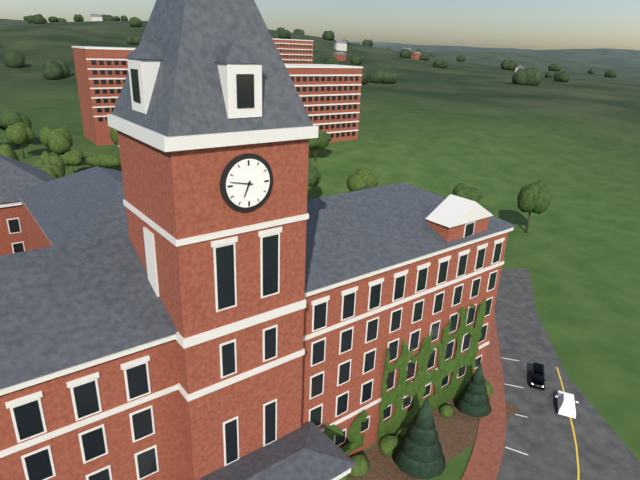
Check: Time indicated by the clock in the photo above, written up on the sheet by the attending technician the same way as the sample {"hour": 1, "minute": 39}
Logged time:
{"hour": 6, "minute": 47}
